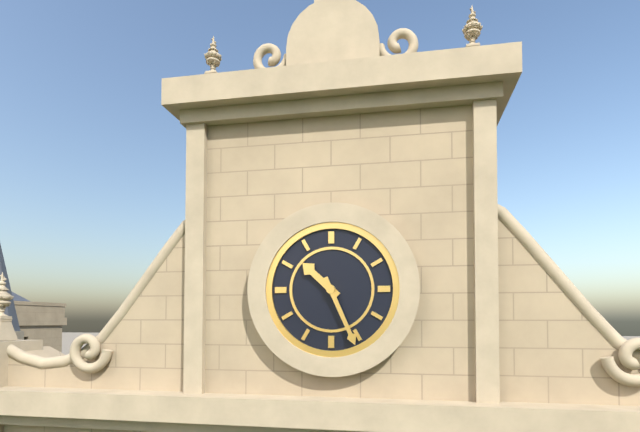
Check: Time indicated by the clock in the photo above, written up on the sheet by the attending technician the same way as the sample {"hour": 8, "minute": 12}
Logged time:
{"hour": 10, "minute": 26}
